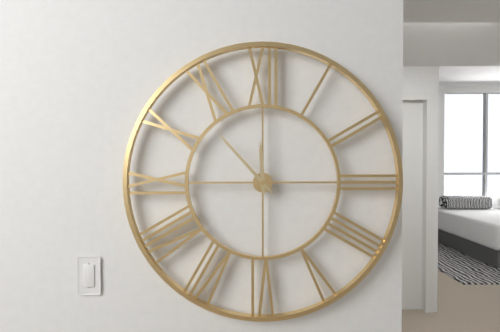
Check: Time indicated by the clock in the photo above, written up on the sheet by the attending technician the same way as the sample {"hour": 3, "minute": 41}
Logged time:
{"hour": 11, "minute": 53}
